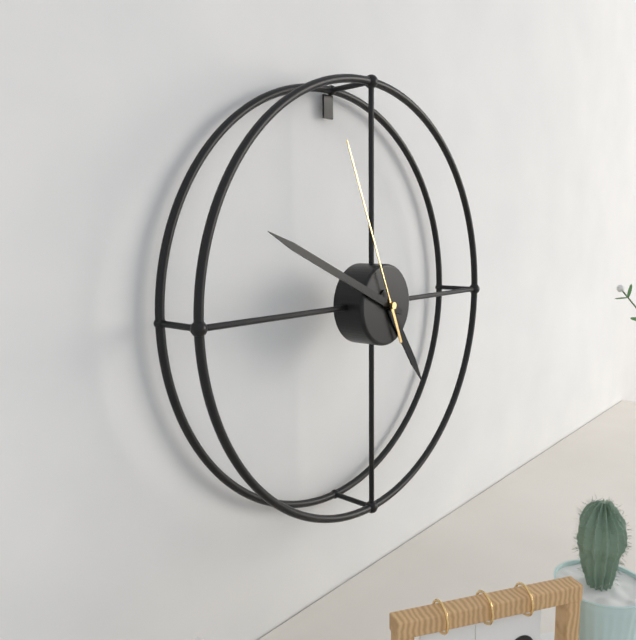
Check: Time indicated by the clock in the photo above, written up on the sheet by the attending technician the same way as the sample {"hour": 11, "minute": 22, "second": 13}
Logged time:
{"hour": 4, "minute": 49, "second": 56}
